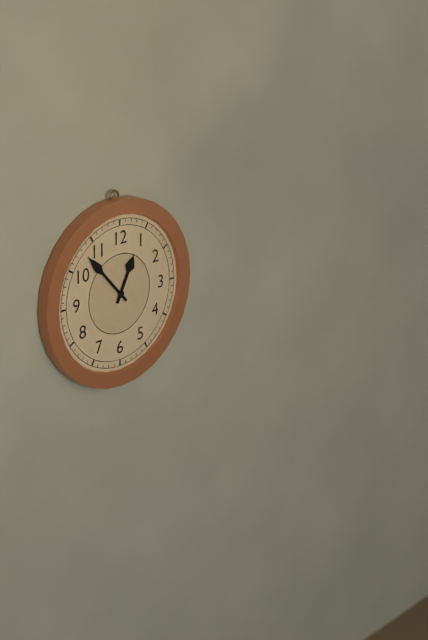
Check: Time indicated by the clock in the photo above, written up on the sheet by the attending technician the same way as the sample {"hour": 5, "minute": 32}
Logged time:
{"hour": 12, "minute": 53}
